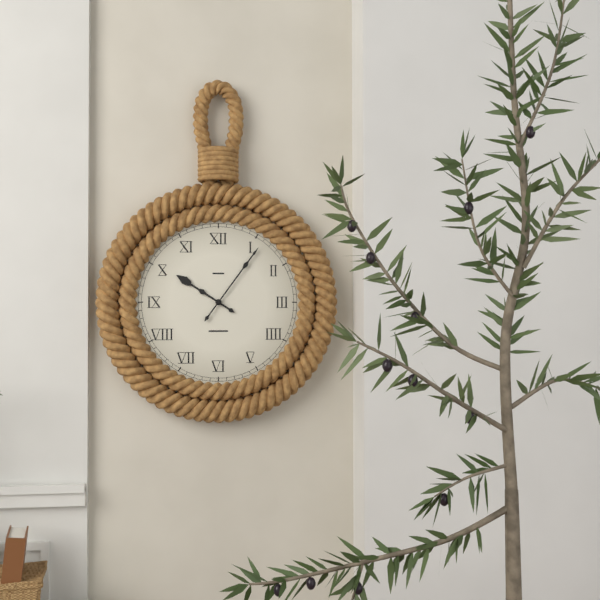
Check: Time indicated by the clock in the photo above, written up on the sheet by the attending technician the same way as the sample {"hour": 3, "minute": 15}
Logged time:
{"hour": 10, "minute": 6}
